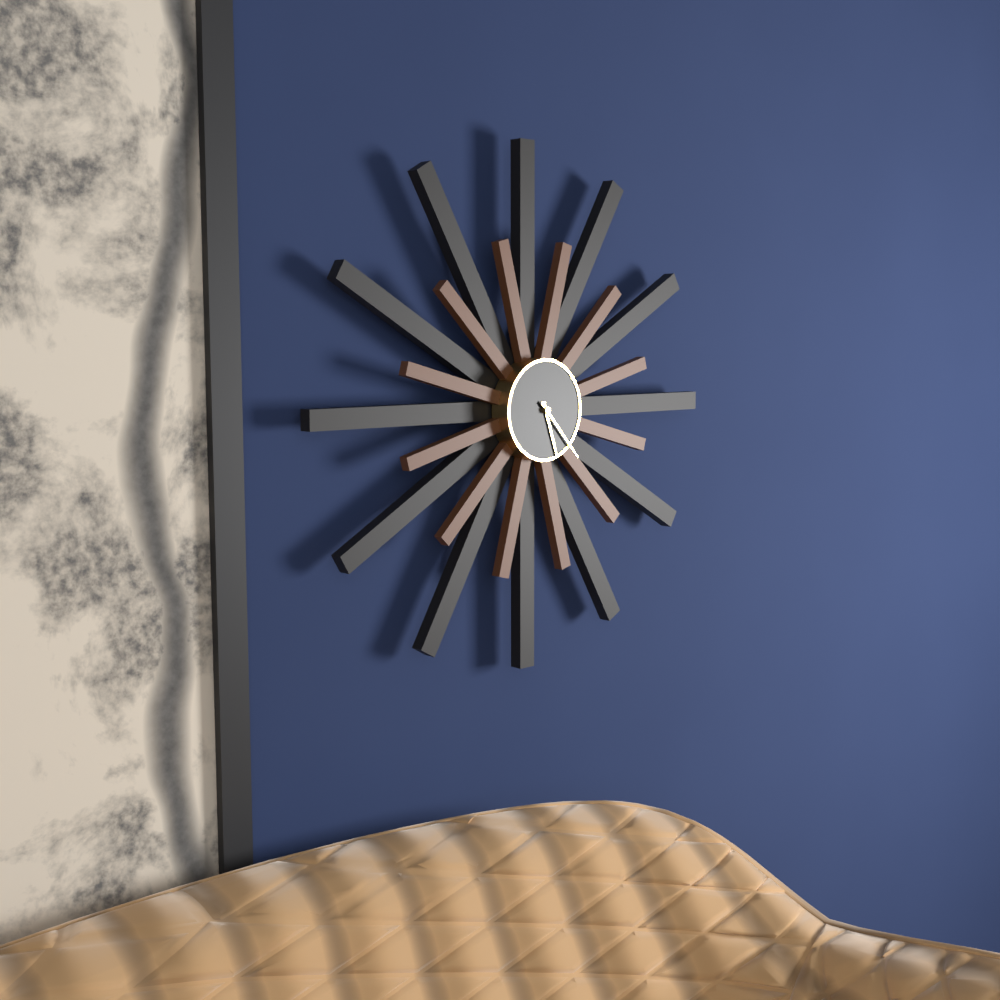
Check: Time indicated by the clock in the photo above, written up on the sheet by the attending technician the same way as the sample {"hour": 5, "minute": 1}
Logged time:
{"hour": 5, "minute": 23}
